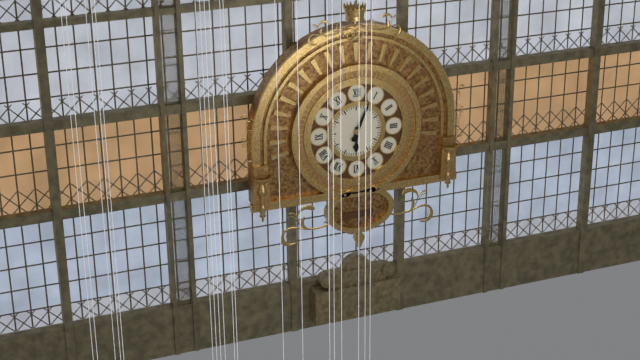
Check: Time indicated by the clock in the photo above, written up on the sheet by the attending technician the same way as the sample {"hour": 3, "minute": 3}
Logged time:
{"hour": 6, "minute": 4}
